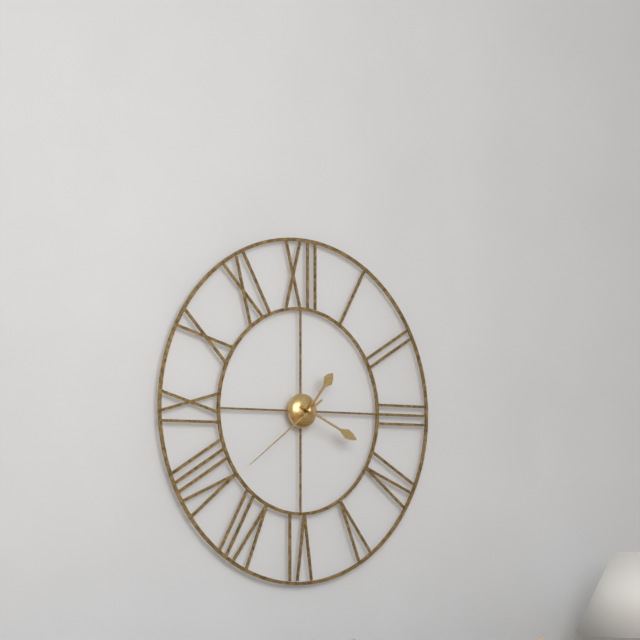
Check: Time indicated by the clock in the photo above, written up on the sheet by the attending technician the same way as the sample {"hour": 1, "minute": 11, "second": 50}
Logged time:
{"hour": 1, "minute": 19, "second": 39}
